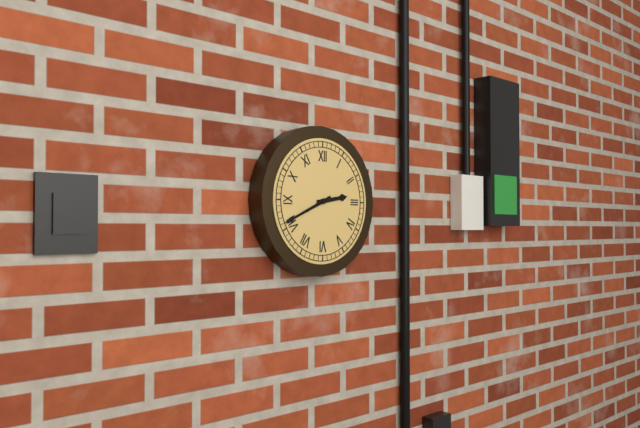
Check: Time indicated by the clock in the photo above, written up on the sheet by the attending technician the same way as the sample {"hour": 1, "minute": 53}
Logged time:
{"hour": 2, "minute": 41}
